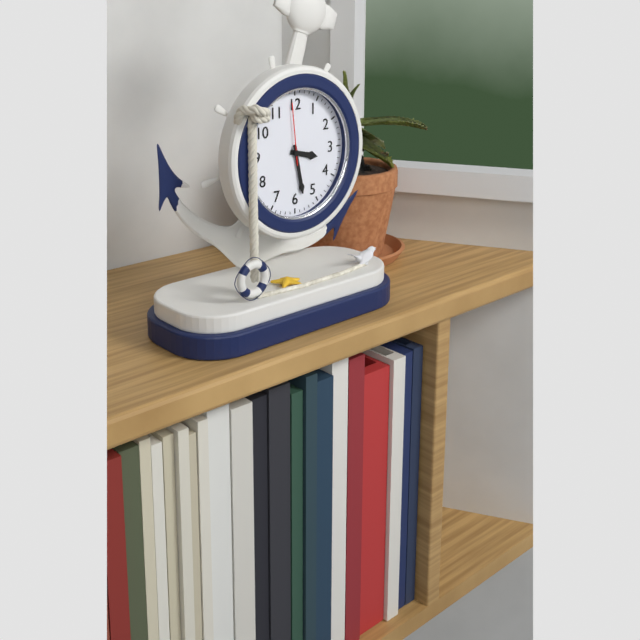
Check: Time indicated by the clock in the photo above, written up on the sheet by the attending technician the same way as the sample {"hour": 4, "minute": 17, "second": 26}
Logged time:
{"hour": 3, "minute": 28, "second": 59}
